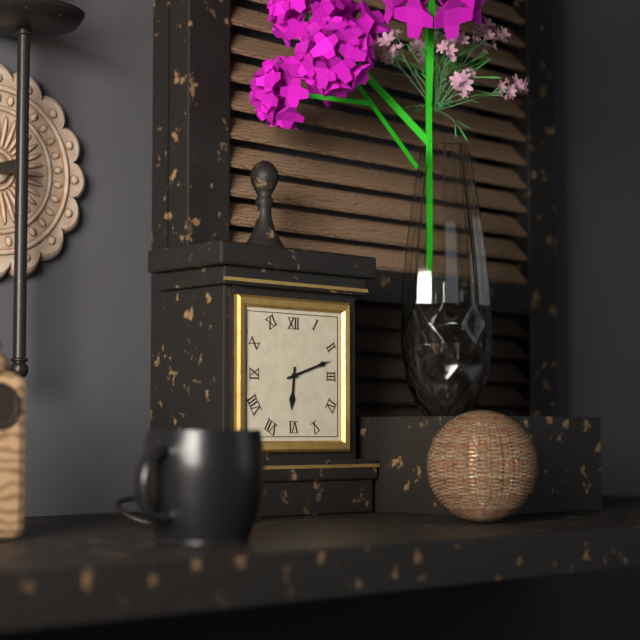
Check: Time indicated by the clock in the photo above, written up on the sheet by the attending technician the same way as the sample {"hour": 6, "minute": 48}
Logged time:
{"hour": 6, "minute": 12}
